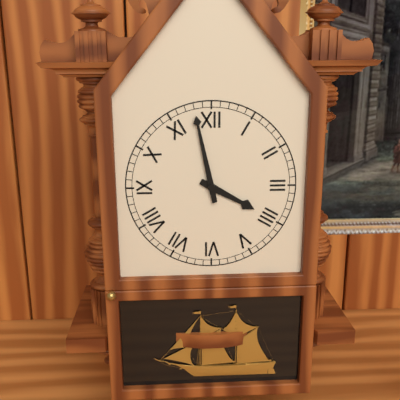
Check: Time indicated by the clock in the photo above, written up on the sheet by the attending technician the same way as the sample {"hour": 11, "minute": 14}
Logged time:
{"hour": 3, "minute": 58}
